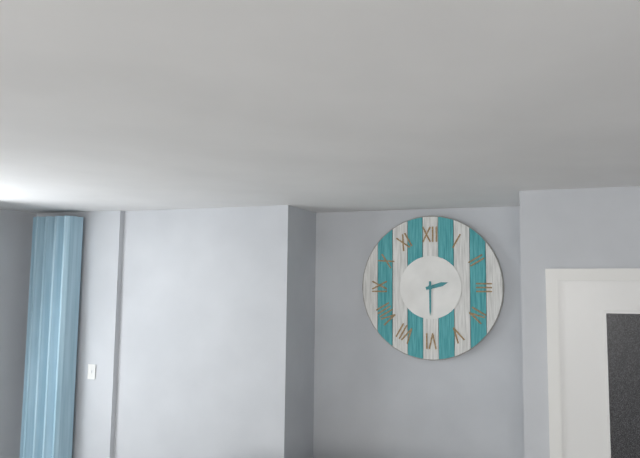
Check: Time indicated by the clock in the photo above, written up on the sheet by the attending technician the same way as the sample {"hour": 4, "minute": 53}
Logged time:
{"hour": 2, "minute": 30}
